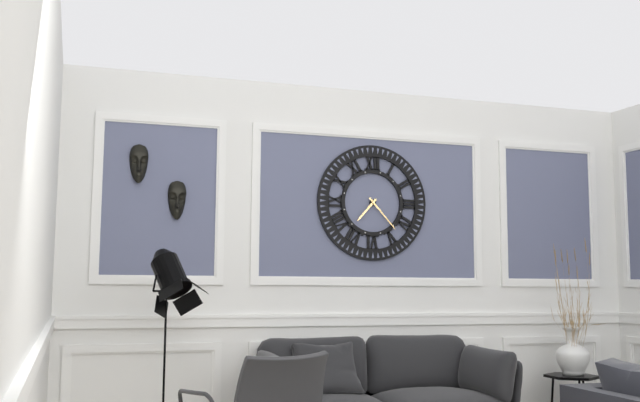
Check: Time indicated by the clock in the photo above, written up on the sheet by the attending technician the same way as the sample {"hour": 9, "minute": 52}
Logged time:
{"hour": 7, "minute": 23}
